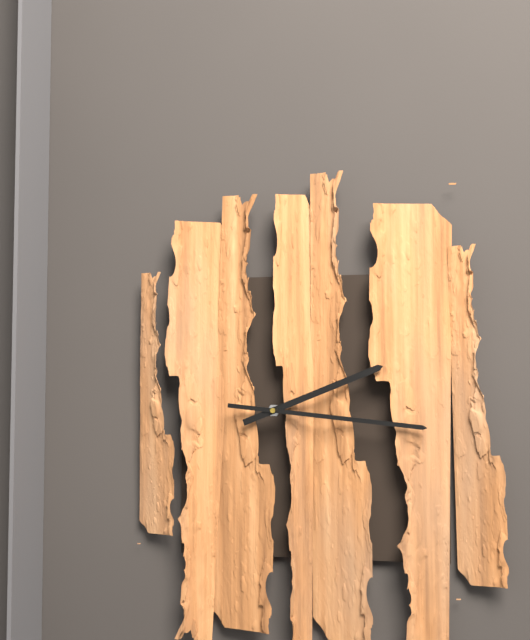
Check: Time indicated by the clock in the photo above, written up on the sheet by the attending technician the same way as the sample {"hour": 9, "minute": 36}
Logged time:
{"hour": 2, "minute": 16}
